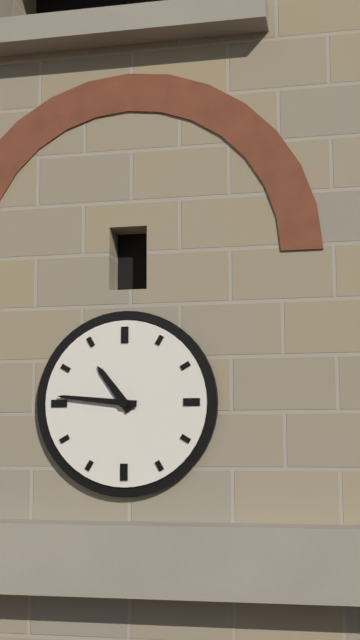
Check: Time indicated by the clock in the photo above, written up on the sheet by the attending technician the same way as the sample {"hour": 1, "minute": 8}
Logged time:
{"hour": 10, "minute": 46}
